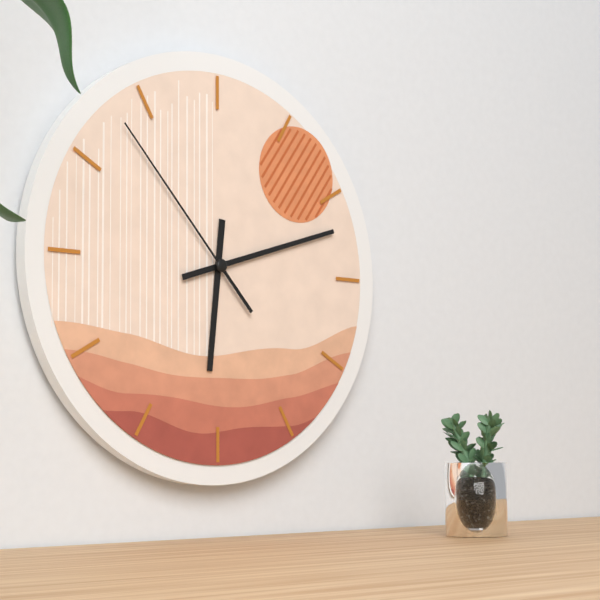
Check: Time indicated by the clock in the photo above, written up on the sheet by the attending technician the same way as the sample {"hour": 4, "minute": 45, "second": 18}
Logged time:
{"hour": 6, "minute": 12, "second": 53}
